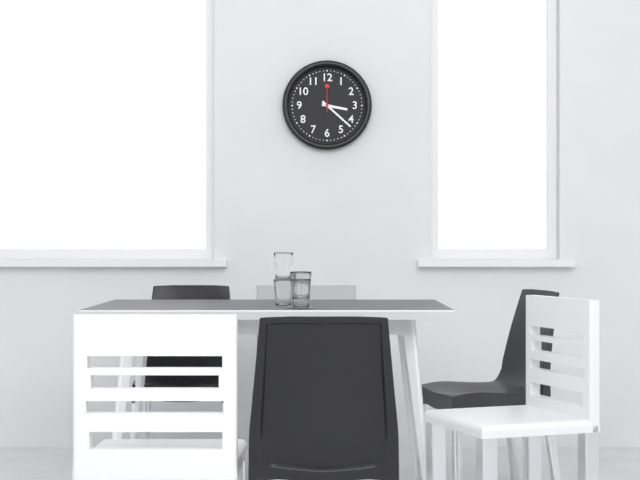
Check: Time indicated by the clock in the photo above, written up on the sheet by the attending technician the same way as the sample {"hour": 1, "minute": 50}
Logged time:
{"hour": 3, "minute": 22}
